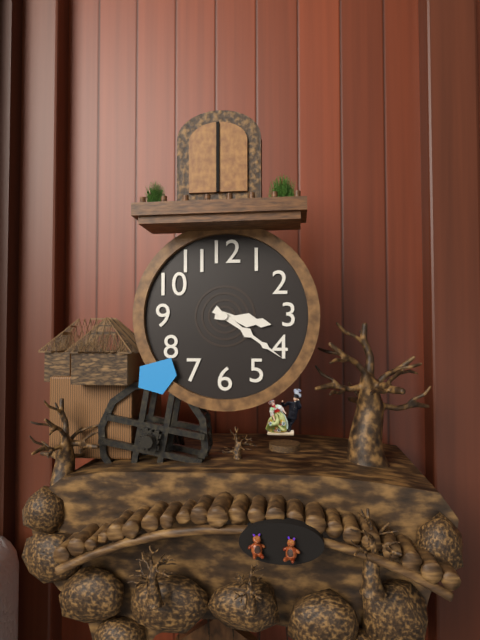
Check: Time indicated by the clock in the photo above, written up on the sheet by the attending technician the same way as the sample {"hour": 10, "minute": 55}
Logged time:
{"hour": 3, "minute": 21}
